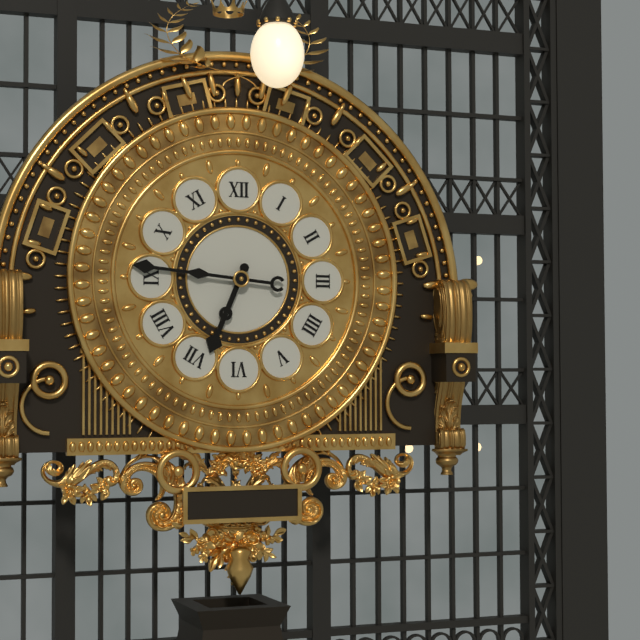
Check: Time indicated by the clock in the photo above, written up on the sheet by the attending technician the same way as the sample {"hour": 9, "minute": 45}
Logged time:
{"hour": 6, "minute": 46}
